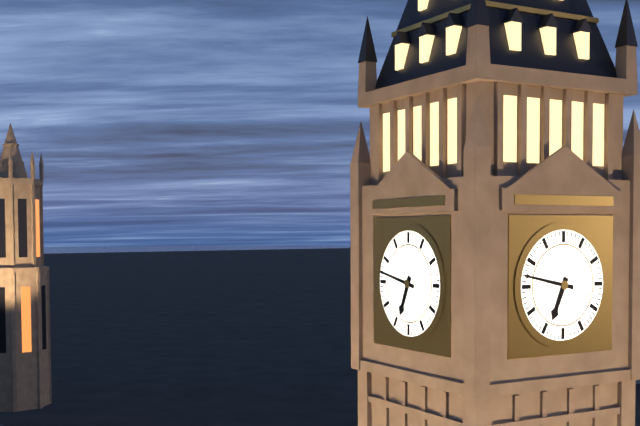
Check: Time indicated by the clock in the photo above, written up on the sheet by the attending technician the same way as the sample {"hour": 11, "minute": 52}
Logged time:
{"hour": 6, "minute": 47}
